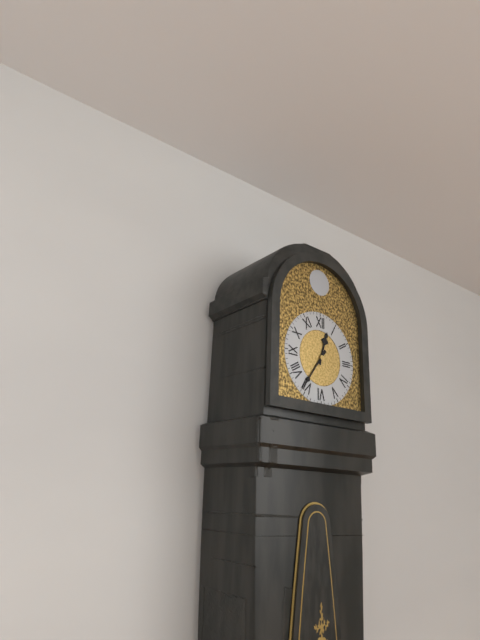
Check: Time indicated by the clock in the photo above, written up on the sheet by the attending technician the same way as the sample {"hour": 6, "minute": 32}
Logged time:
{"hour": 12, "minute": 36}
